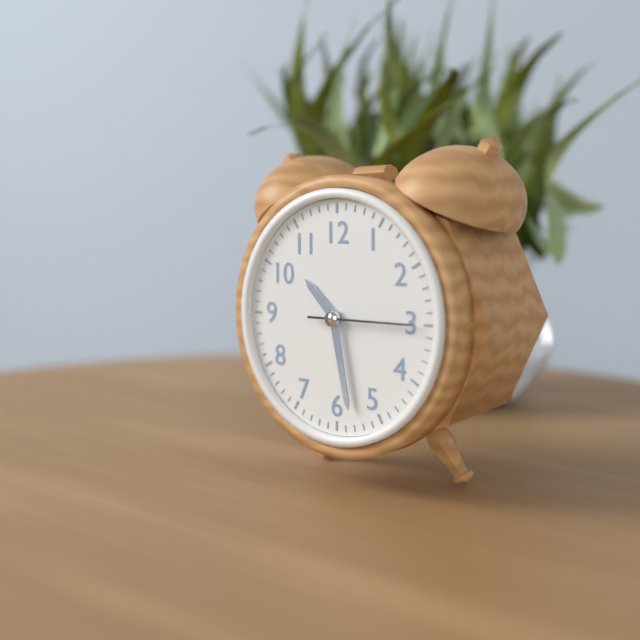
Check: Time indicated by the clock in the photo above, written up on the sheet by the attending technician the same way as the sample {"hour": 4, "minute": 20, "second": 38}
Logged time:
{"hour": 10, "minute": 28, "second": 15}
